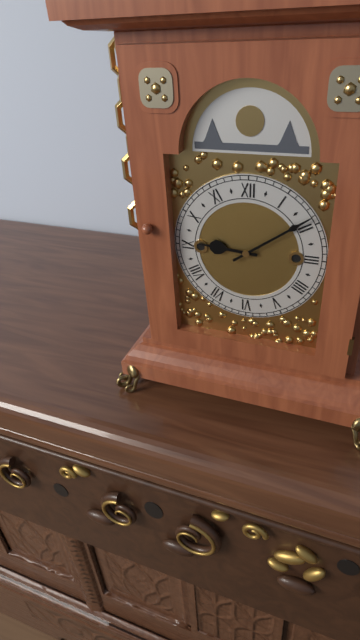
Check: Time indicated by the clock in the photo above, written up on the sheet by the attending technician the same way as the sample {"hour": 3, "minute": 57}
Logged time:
{"hour": 9, "minute": 9}
